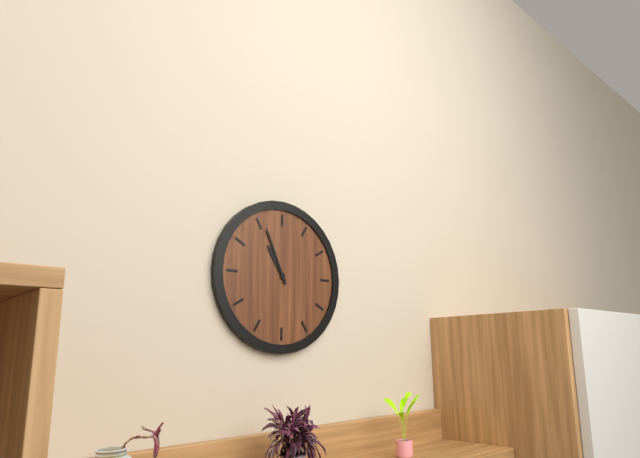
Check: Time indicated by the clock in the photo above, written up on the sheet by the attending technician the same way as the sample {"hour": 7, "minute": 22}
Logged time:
{"hour": 10, "minute": 56}
